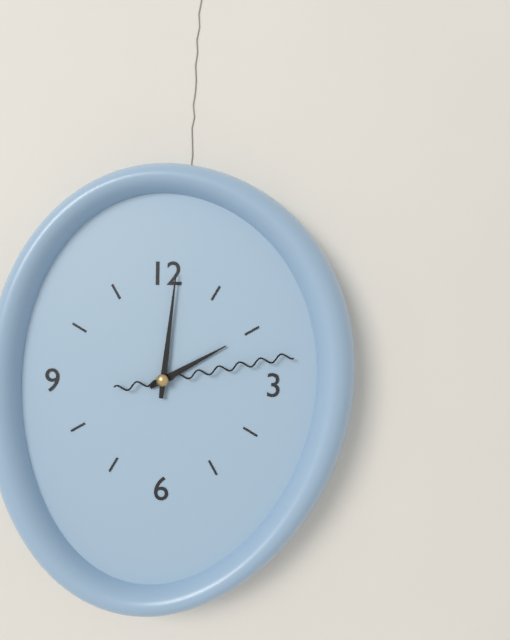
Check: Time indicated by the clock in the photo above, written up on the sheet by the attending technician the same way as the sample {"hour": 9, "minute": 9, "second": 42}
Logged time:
{"hour": 2, "minute": 1, "second": 13}
